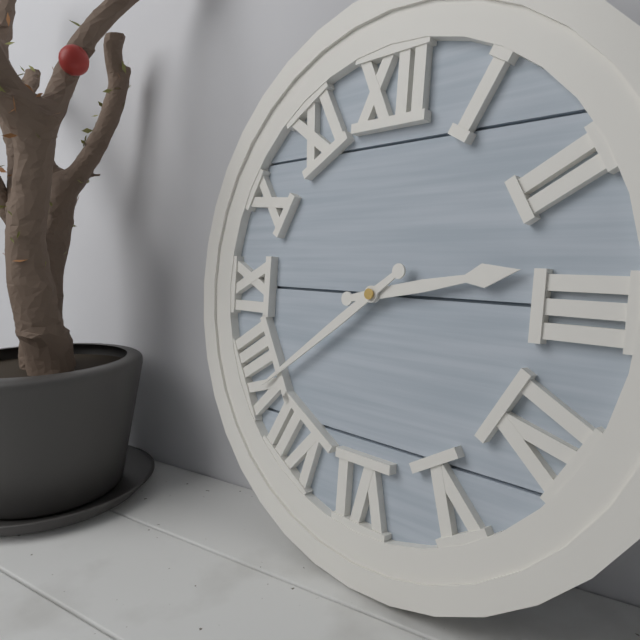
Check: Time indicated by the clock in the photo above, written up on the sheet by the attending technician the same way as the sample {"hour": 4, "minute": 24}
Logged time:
{"hour": 2, "minute": 39}
